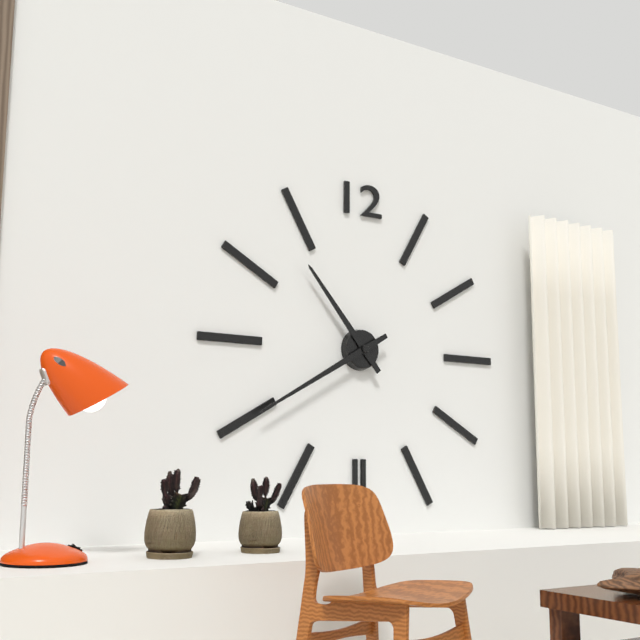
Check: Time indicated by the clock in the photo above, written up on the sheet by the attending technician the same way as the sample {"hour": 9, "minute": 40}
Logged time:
{"hour": 10, "minute": 40}
